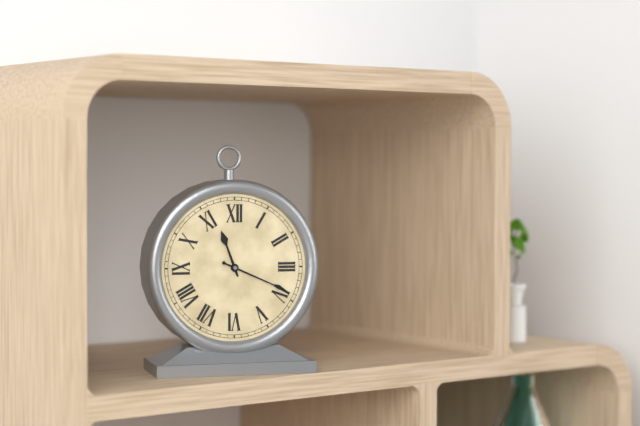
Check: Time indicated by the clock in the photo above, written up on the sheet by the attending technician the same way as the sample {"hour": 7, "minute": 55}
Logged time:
{"hour": 11, "minute": 19}
